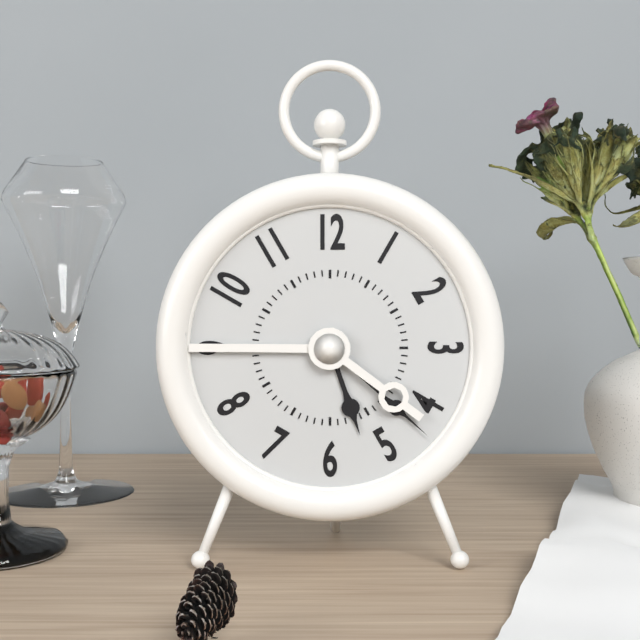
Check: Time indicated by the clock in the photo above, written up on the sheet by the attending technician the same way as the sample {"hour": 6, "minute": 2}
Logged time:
{"hour": 5, "minute": 22}
